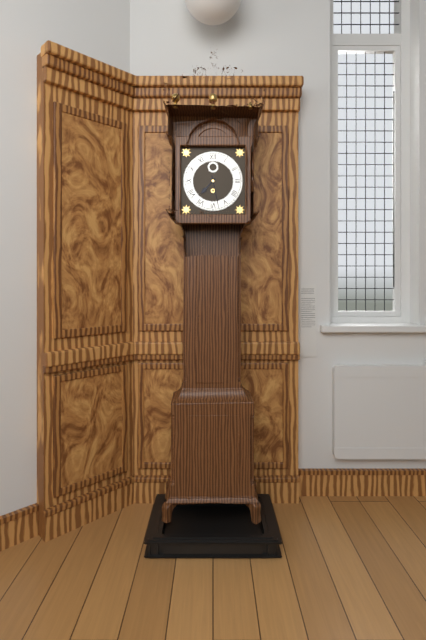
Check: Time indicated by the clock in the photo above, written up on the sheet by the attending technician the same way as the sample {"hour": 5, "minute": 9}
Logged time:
{"hour": 7, "minute": 28}
